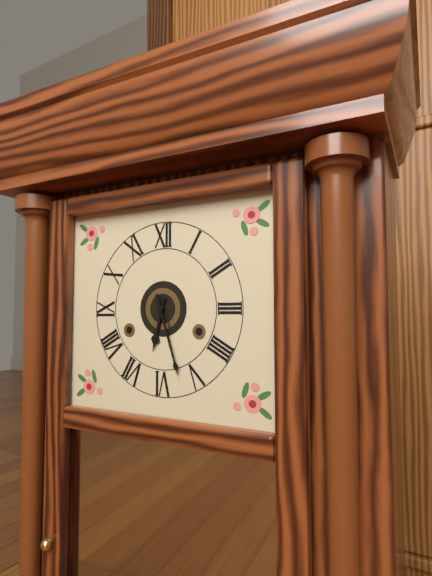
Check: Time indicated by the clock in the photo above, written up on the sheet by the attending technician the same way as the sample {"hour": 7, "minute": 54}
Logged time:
{"hour": 6, "minute": 27}
